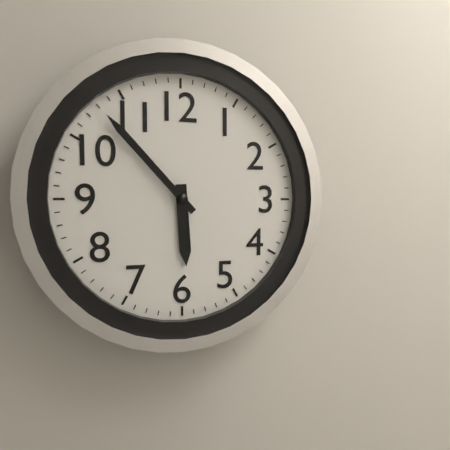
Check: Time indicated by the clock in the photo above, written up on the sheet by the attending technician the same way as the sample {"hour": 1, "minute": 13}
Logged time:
{"hour": 5, "minute": 53}
